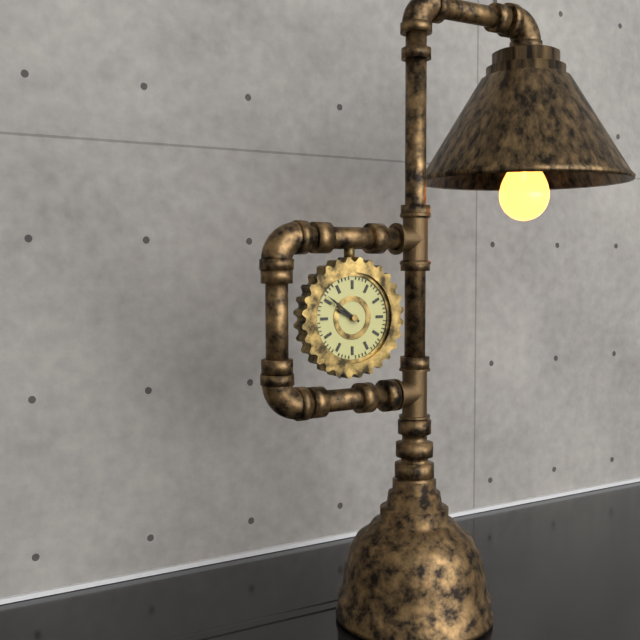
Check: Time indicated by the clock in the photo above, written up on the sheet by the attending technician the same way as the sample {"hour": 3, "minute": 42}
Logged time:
{"hour": 9, "minute": 51}
